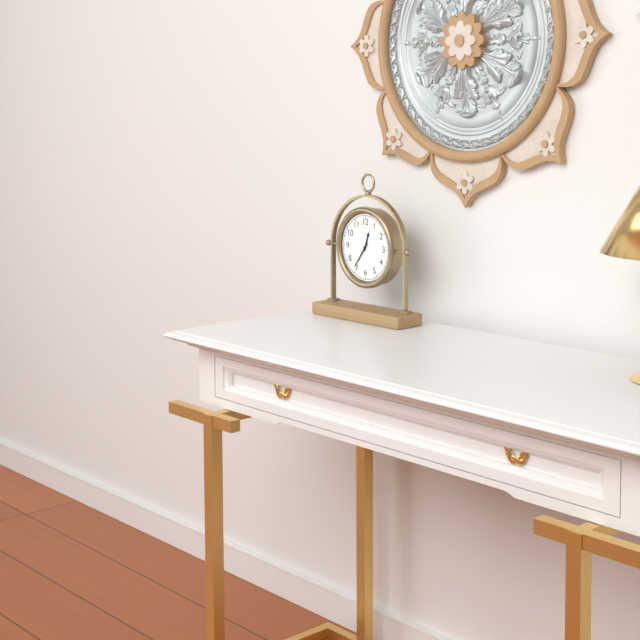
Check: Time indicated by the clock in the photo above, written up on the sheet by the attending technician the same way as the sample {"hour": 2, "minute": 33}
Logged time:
{"hour": 12, "minute": 36}
